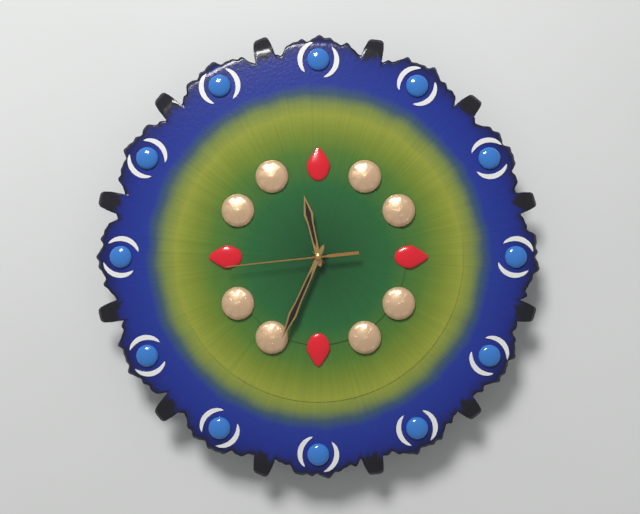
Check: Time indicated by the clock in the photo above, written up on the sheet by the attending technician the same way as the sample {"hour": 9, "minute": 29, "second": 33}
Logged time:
{"hour": 11, "minute": 34, "second": 44}
